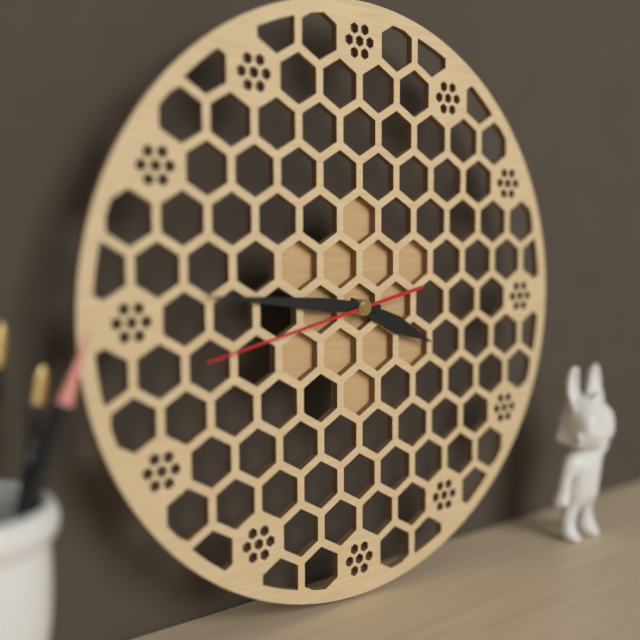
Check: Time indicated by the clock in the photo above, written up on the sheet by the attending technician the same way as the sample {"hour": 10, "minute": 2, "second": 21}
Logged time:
{"hour": 3, "minute": 46, "second": 43}
